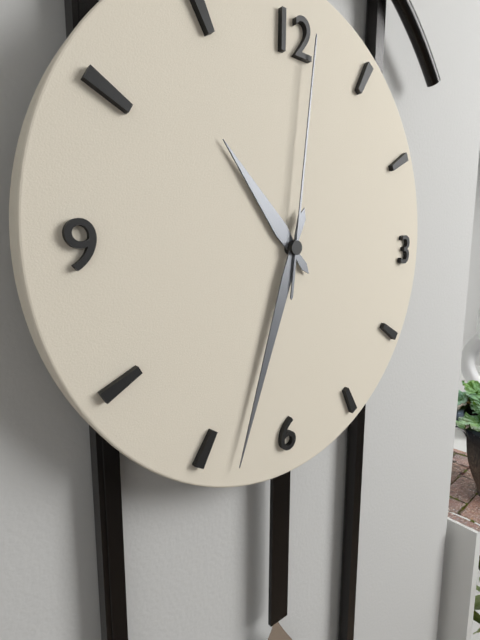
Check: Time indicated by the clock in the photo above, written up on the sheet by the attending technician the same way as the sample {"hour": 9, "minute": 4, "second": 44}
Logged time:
{"hour": 10, "minute": 33, "second": 1}
